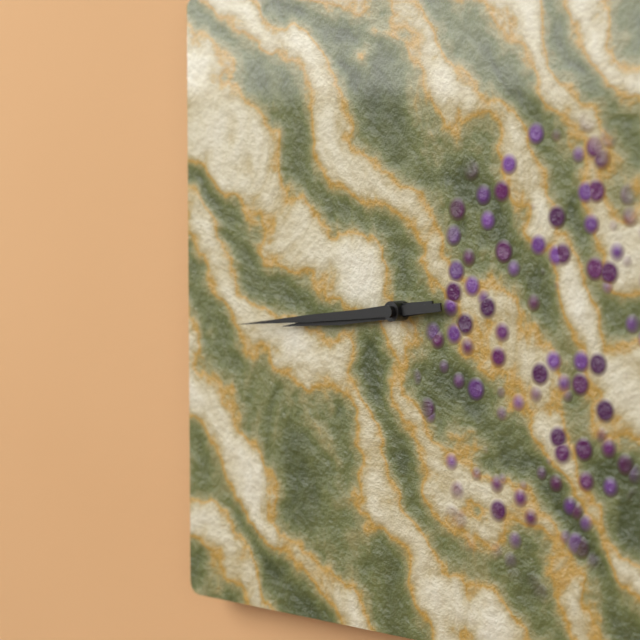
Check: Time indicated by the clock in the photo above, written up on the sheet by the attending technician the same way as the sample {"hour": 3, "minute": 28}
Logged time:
{"hour": 8, "minute": 44}
